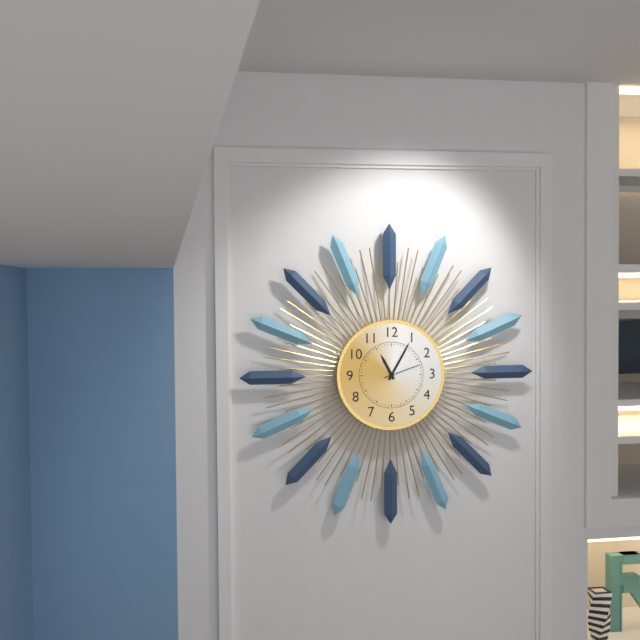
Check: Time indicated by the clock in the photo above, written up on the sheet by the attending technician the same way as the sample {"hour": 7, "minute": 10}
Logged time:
{"hour": 11, "minute": 5}
